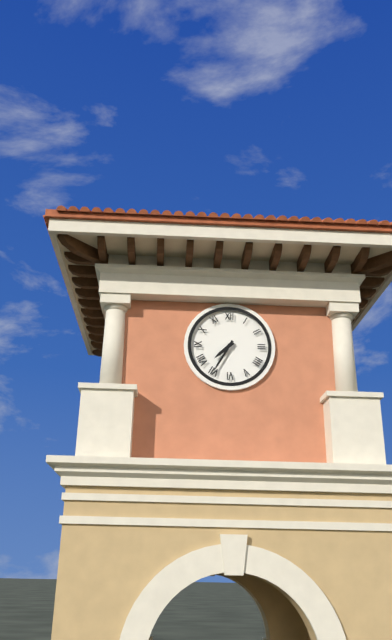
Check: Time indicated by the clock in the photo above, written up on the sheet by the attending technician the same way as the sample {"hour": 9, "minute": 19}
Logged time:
{"hour": 7, "minute": 35}
